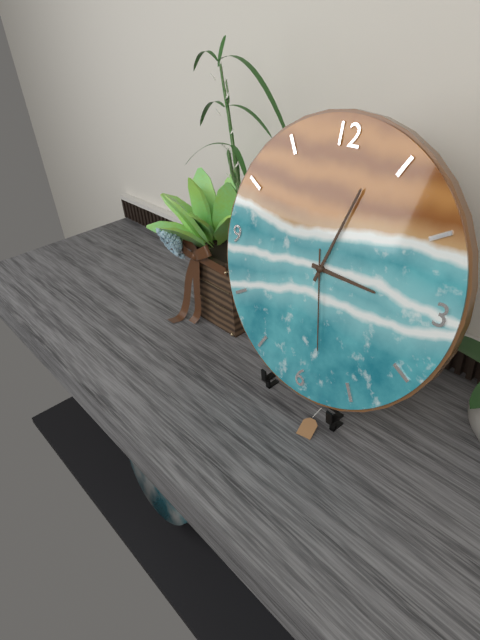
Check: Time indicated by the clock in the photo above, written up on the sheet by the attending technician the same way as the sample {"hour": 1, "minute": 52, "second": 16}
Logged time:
{"hour": 3, "minute": 3, "second": 28}
